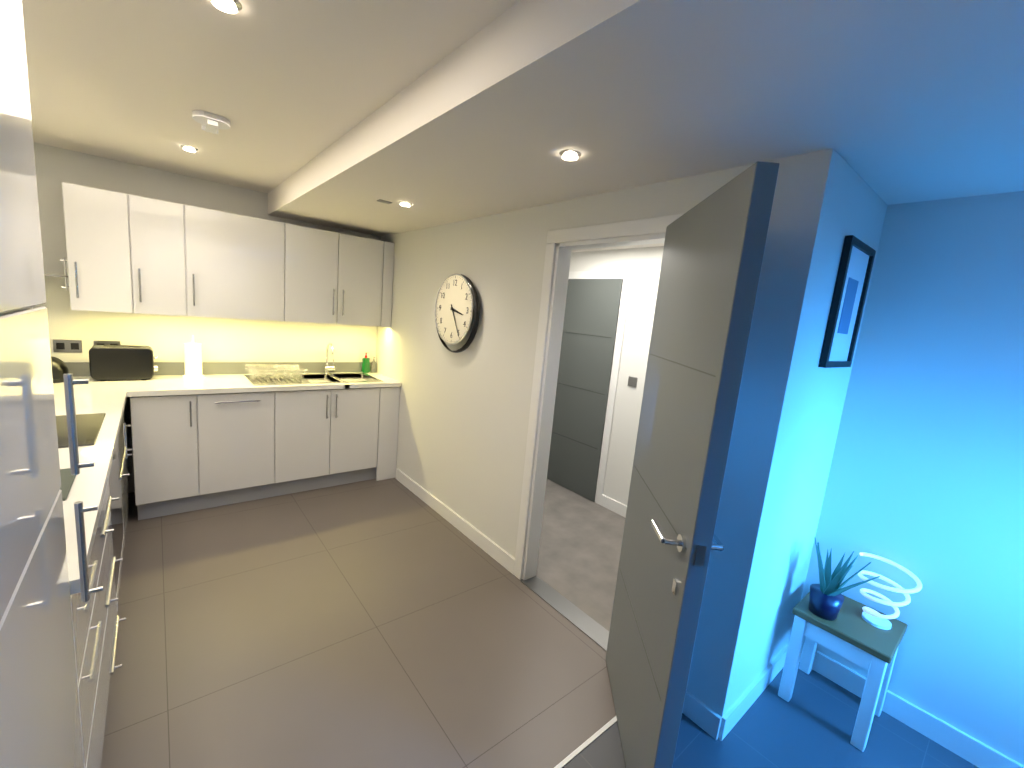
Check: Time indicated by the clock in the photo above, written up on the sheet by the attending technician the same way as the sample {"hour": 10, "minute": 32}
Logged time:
{"hour": 3, "minute": 25}
